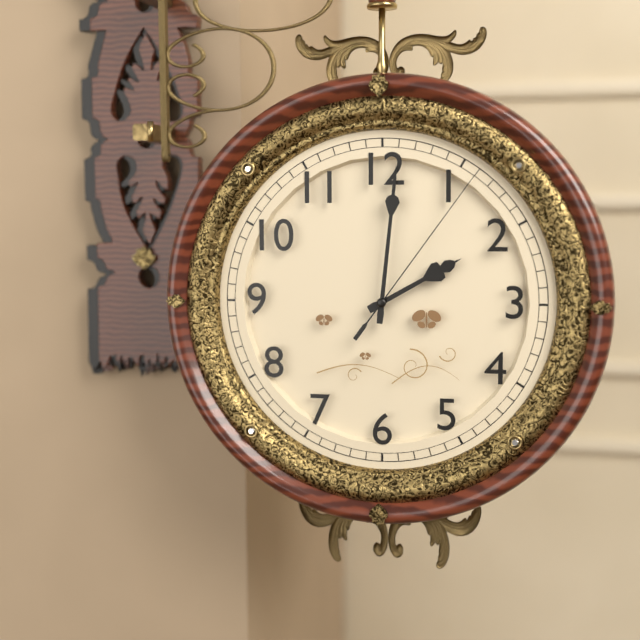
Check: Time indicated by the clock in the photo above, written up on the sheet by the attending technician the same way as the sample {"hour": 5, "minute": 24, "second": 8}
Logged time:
{"hour": 2, "minute": 1, "second": 6}
